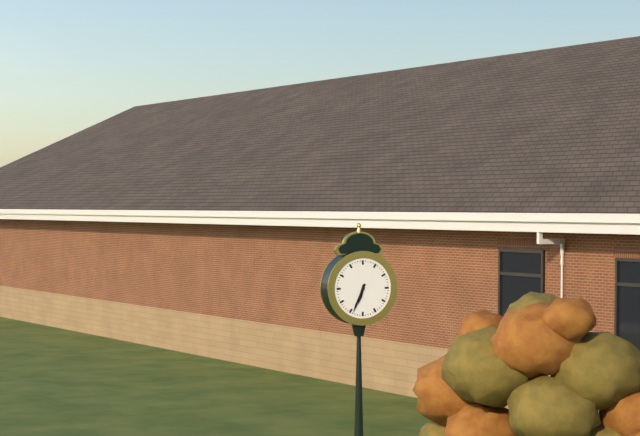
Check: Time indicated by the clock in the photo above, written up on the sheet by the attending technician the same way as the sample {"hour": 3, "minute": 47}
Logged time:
{"hour": 6, "minute": 34}
